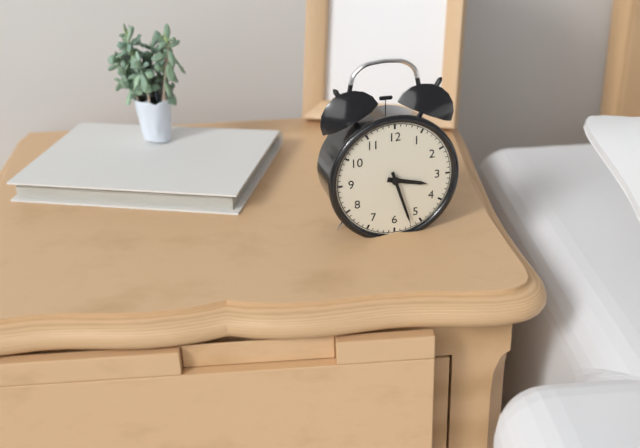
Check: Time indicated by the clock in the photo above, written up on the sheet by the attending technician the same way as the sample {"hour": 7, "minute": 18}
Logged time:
{"hour": 3, "minute": 27}
